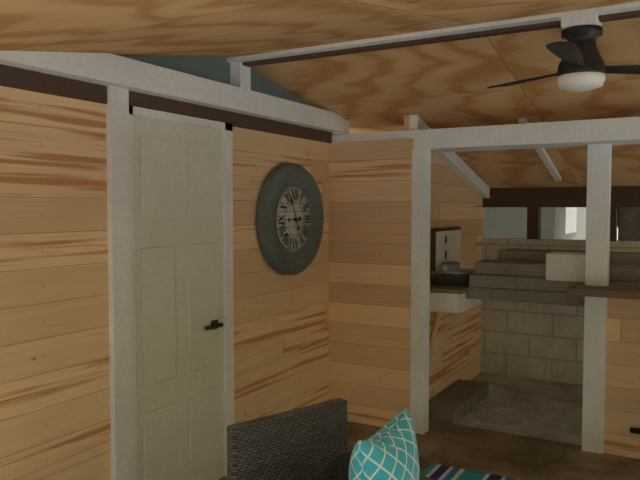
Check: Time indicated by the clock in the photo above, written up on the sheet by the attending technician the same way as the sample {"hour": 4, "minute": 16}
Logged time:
{"hour": 8, "minute": 56}
